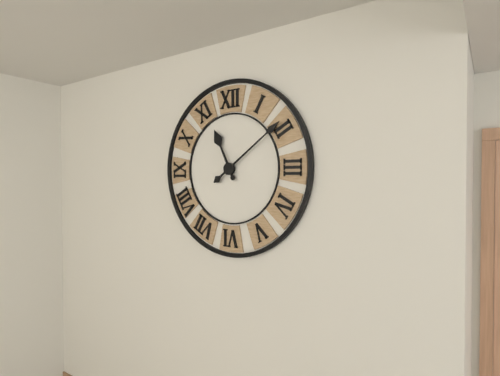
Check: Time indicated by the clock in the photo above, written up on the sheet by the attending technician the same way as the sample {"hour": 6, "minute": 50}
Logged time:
{"hour": 11, "minute": 9}
